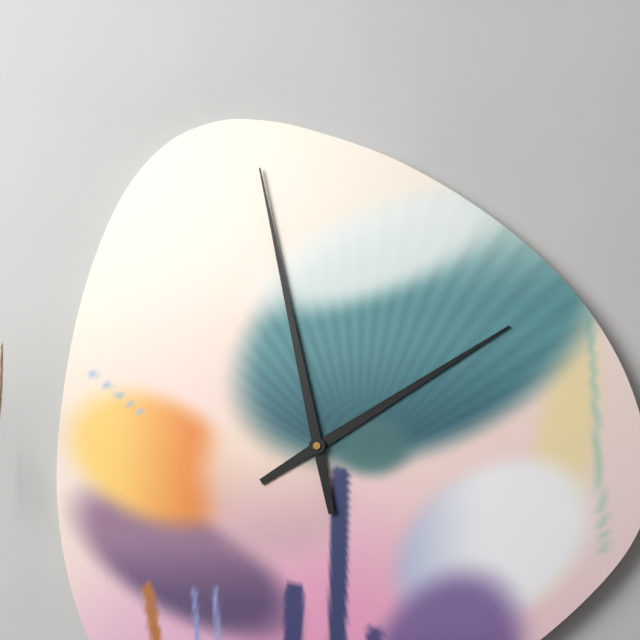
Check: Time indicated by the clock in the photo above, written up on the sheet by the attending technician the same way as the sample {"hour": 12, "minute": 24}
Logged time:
{"hour": 1, "minute": 58}
